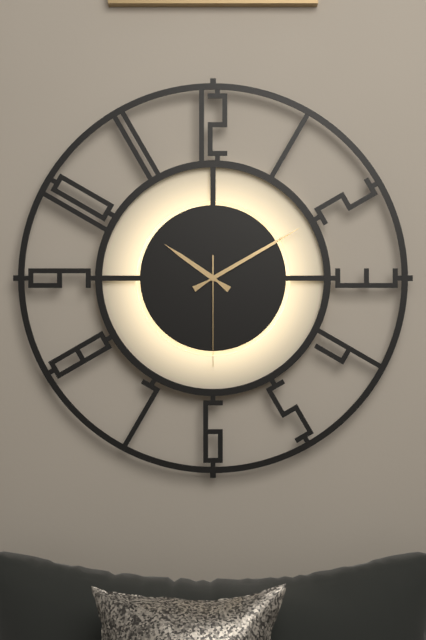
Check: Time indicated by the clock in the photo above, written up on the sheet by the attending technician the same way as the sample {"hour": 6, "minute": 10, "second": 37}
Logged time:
{"hour": 10, "minute": 10, "second": 30}
